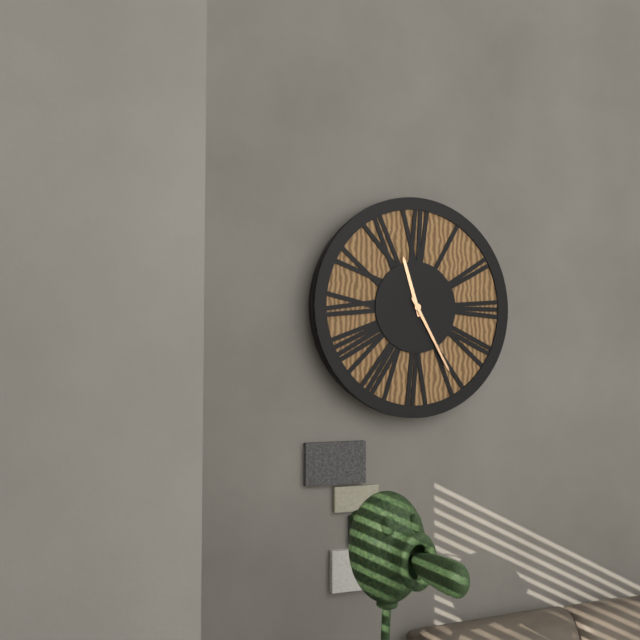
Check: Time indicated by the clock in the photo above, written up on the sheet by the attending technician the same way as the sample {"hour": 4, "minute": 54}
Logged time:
{"hour": 11, "minute": 25}
